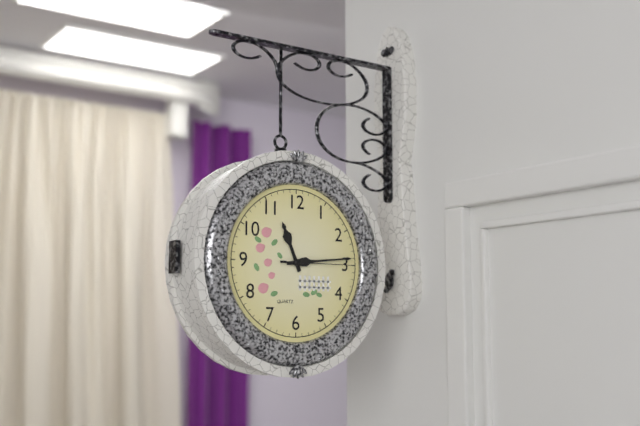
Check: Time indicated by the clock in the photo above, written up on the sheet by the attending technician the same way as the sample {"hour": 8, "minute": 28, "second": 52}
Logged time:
{"hour": 11, "minute": 14, "second": 15}
